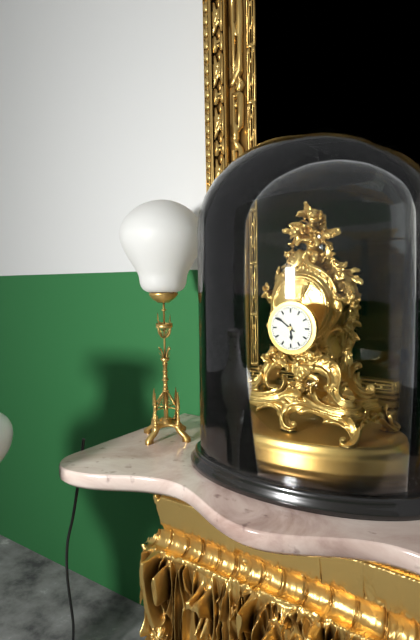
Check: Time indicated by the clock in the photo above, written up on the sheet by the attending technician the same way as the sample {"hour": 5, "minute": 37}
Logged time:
{"hour": 5, "minute": 51}
